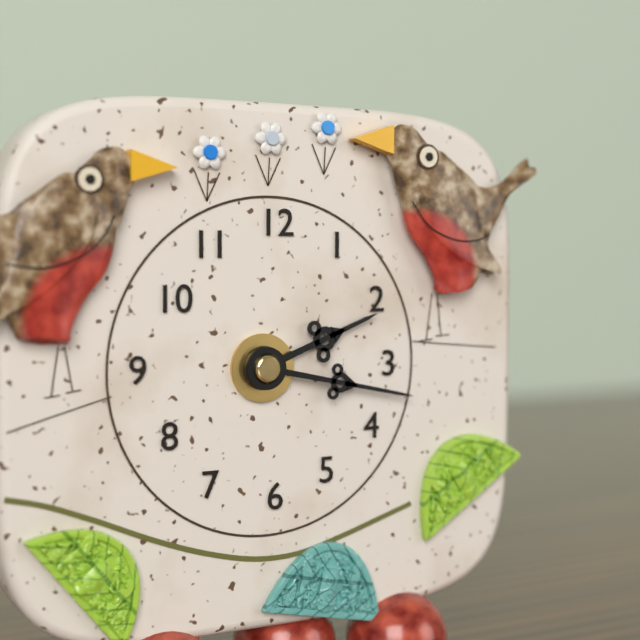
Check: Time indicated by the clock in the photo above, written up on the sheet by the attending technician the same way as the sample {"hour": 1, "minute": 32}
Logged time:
{"hour": 2, "minute": 17}
